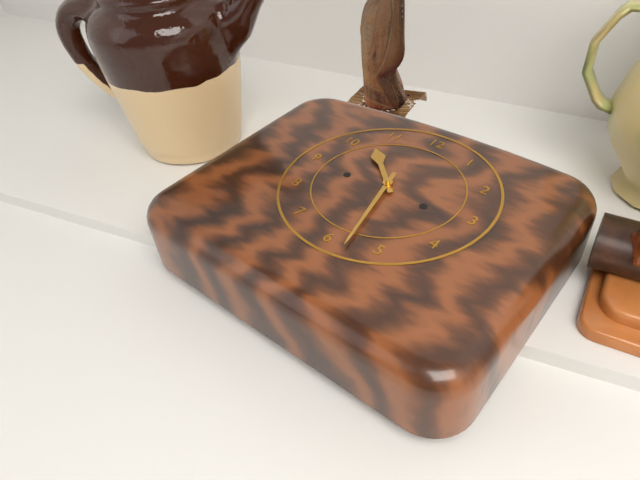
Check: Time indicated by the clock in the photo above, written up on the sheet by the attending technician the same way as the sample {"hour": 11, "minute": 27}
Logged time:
{"hour": 10, "minute": 28}
